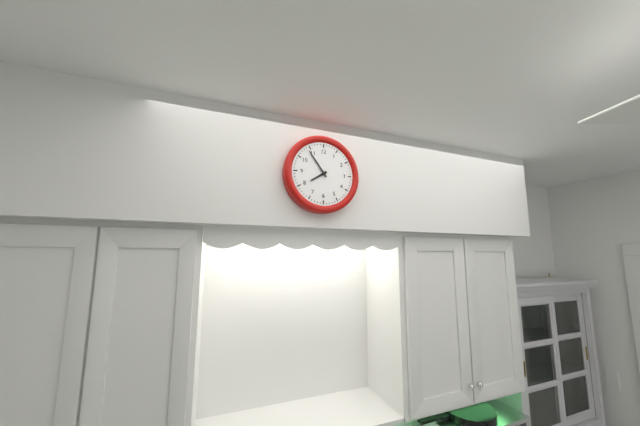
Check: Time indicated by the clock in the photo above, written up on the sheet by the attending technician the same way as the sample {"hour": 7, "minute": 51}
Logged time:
{"hour": 7, "minute": 54}
